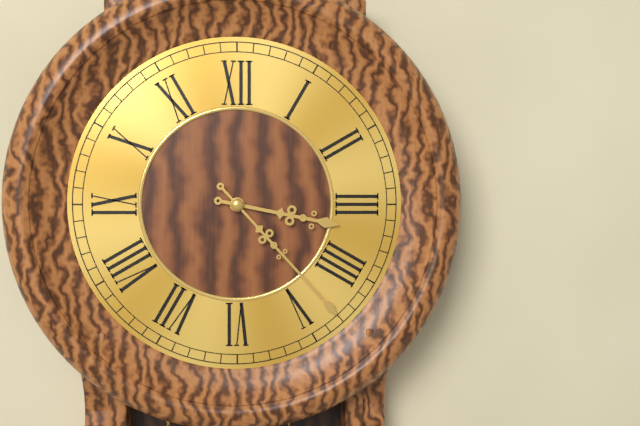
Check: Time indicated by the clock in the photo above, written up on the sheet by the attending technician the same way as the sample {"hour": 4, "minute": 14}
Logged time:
{"hour": 3, "minute": 23}
